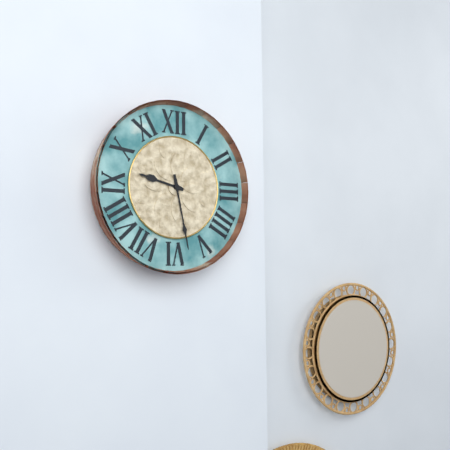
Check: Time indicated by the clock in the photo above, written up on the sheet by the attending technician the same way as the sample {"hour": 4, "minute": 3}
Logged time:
{"hour": 9, "minute": 28}
